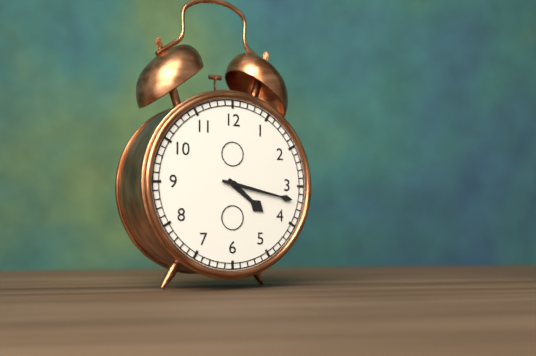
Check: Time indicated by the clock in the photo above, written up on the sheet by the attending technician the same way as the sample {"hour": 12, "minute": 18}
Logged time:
{"hour": 4, "minute": 17}
